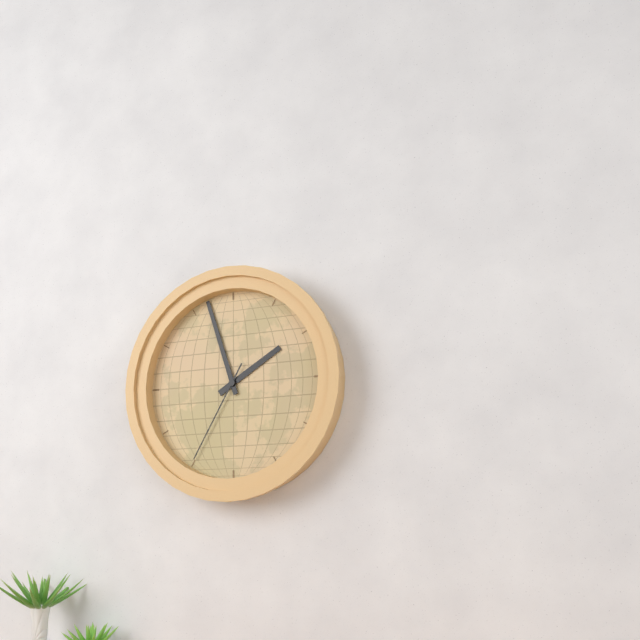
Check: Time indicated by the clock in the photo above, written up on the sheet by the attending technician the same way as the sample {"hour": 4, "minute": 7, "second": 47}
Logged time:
{"hour": 1, "minute": 57, "second": 35}
